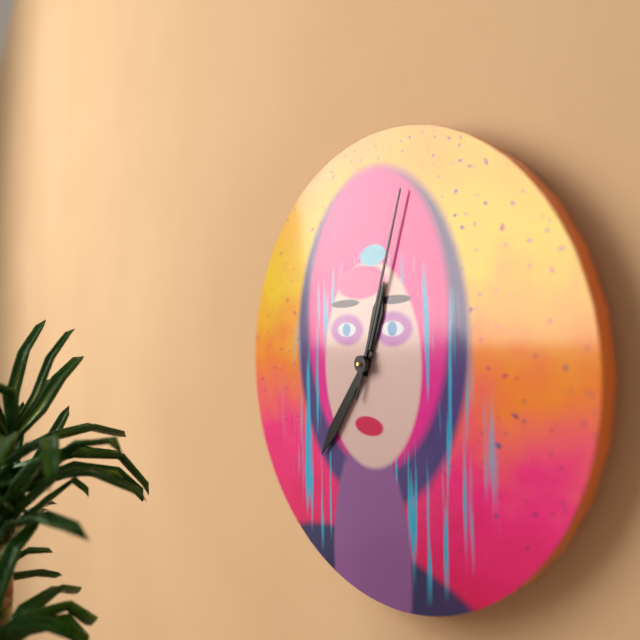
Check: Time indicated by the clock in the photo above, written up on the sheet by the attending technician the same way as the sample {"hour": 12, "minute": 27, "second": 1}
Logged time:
{"hour": 12, "minute": 36, "second": 3}
